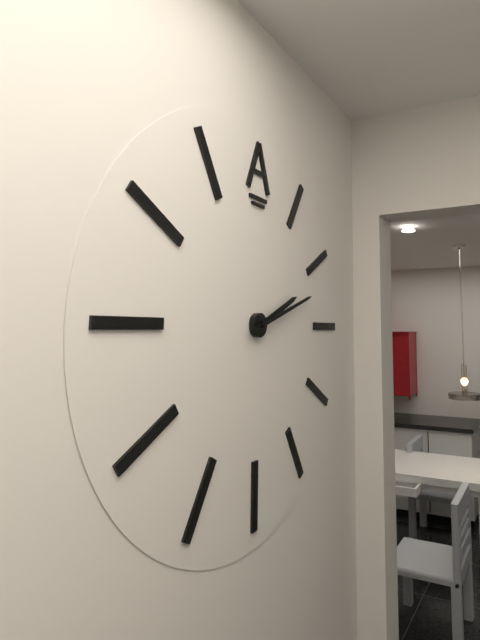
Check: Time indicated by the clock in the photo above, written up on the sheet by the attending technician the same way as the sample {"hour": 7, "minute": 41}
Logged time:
{"hour": 2, "minute": 12}
